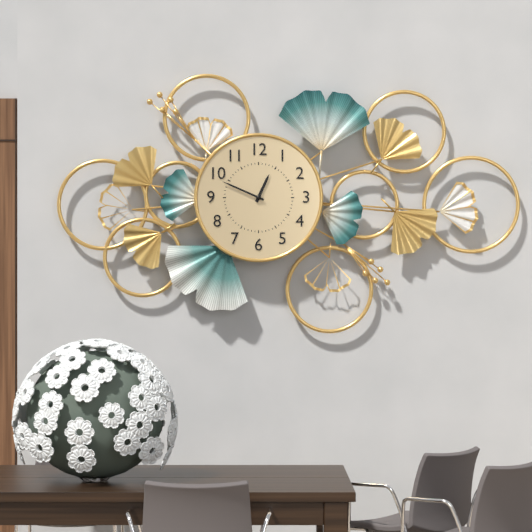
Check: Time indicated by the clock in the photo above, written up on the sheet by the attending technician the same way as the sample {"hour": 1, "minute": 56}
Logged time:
{"hour": 12, "minute": 49}
